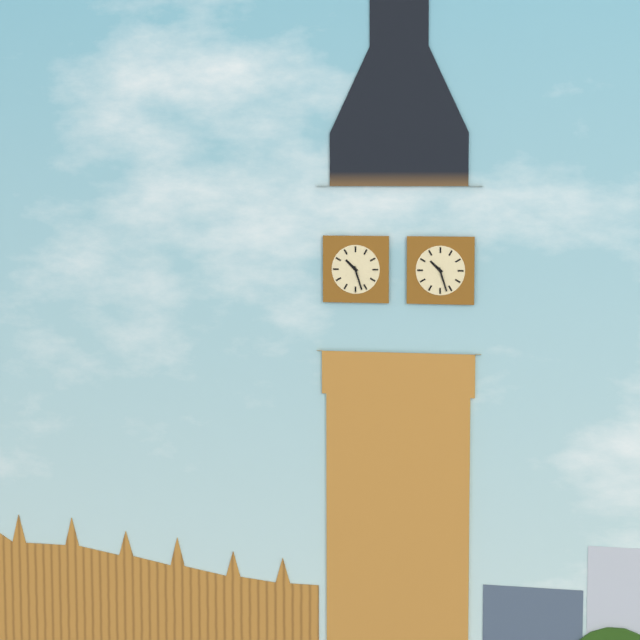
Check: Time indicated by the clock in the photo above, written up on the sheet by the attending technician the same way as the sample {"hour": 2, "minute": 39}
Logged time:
{"hour": 10, "minute": 27}
